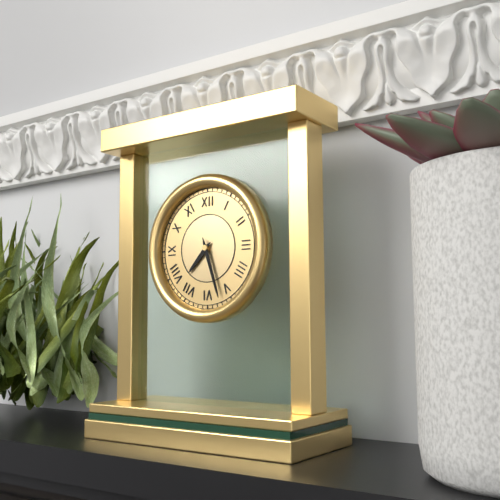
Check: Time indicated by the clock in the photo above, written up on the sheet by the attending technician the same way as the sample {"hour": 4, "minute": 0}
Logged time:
{"hour": 7, "minute": 27}
